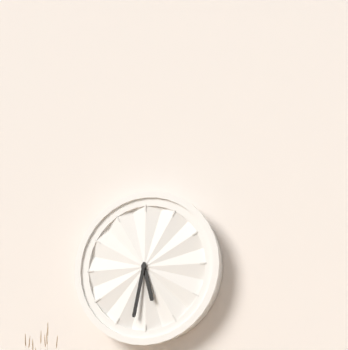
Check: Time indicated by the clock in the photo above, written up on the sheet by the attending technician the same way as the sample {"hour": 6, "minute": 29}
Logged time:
{"hour": 5, "minute": 32}
